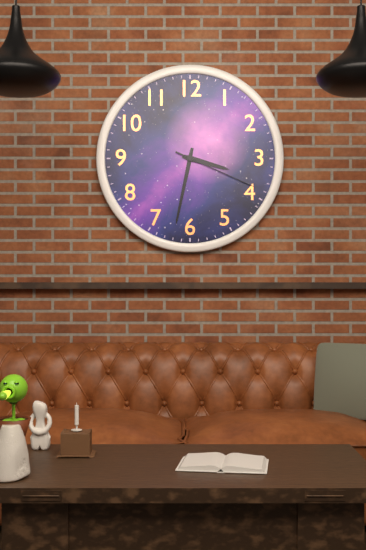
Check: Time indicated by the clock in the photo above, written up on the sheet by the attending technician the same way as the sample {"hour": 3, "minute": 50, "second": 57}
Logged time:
{"hour": 3, "minute": 32, "second": 19}
